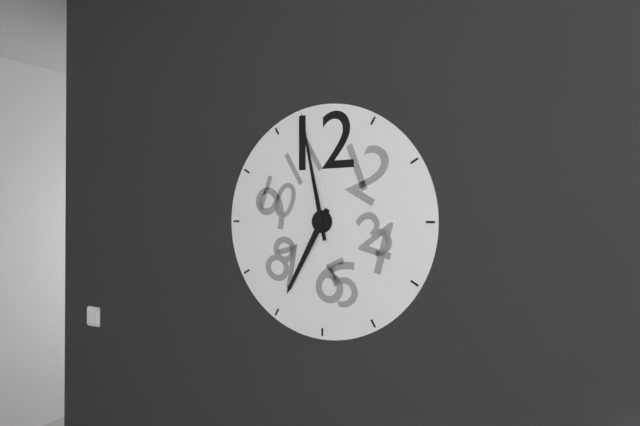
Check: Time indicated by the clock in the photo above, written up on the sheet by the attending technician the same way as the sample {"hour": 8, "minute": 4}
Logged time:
{"hour": 6, "minute": 58}
